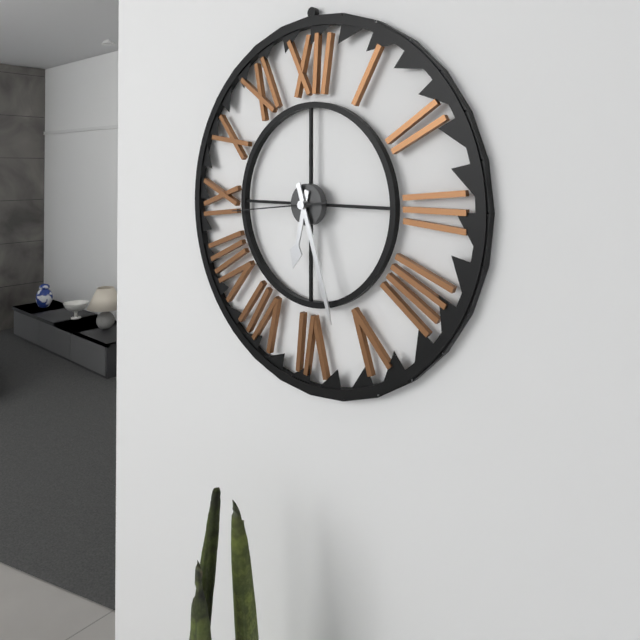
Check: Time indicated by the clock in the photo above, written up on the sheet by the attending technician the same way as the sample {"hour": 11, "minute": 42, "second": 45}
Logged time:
{"hour": 6, "minute": 27, "second": 44}
